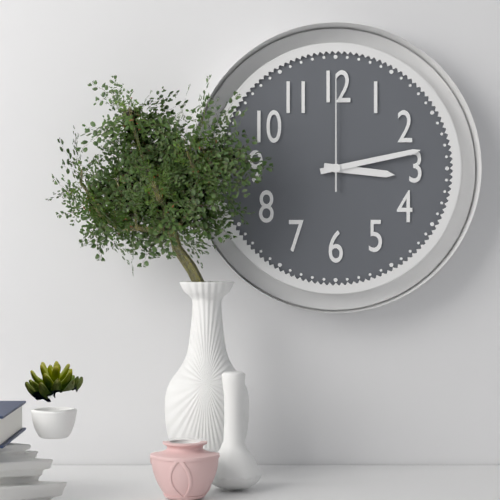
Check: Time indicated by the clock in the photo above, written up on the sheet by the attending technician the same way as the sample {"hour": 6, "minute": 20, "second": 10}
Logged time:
{"hour": 3, "minute": 13, "second": 0}
